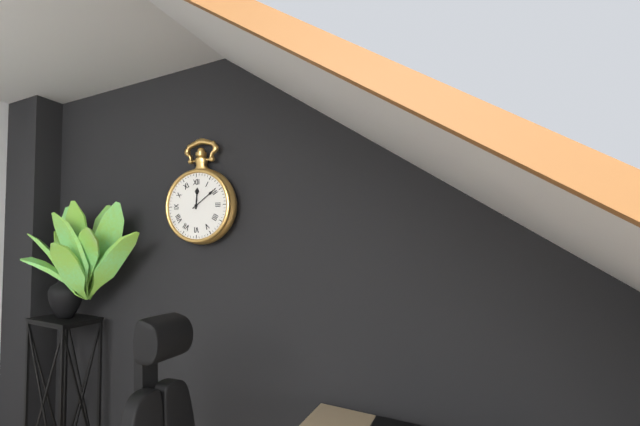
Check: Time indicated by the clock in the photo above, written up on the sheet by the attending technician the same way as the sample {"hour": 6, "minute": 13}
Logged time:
{"hour": 12, "minute": 9}
